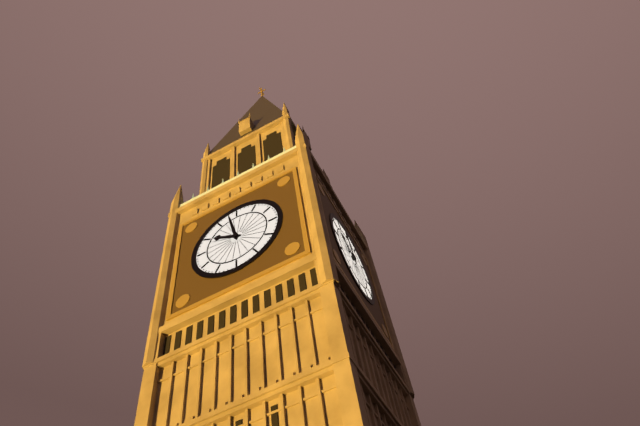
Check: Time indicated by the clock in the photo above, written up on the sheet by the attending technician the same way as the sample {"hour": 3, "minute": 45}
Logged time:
{"hour": 9, "minute": 58}
